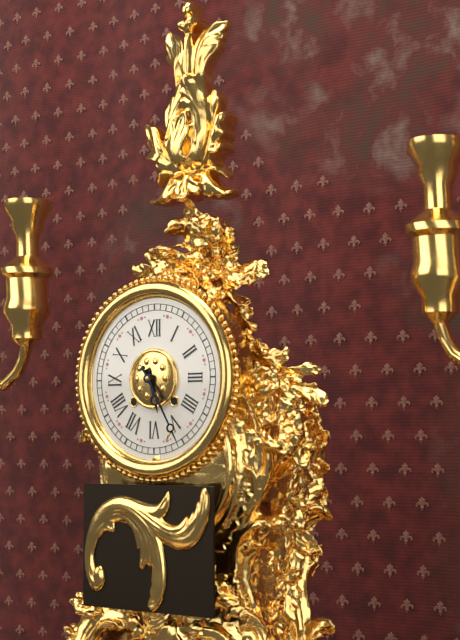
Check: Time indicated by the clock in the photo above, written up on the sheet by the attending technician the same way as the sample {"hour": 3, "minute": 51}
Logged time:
{"hour": 5, "minute": 25}
